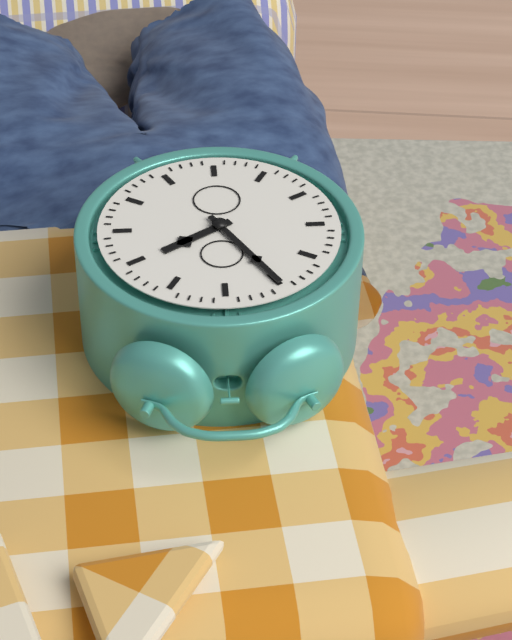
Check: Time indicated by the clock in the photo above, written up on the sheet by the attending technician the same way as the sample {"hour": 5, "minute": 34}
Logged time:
{"hour": 1, "minute": 55}
